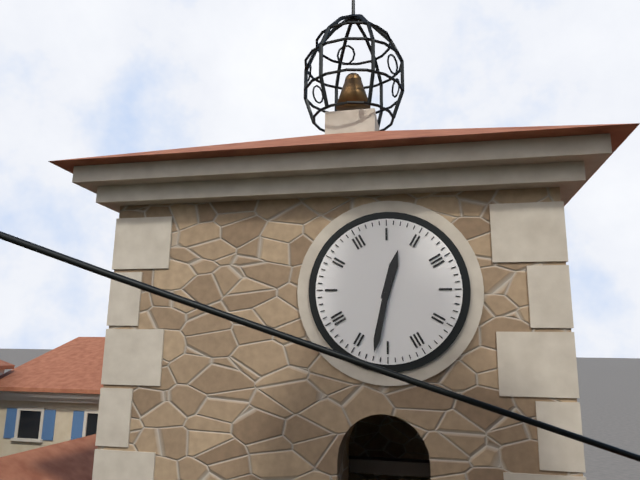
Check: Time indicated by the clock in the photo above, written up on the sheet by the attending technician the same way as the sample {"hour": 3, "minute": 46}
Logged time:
{"hour": 12, "minute": 32}
